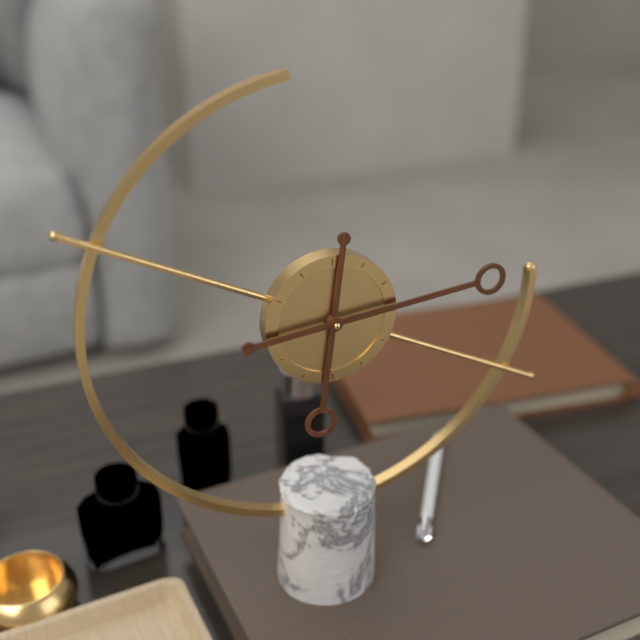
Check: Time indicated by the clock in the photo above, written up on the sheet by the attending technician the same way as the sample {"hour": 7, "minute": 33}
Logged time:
{"hour": 6, "minute": 14}
